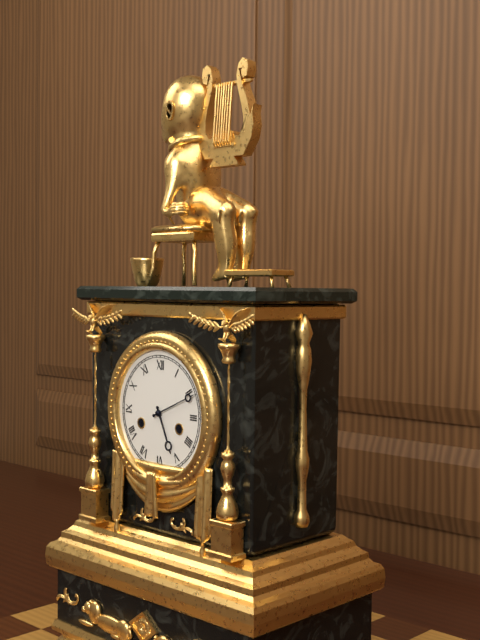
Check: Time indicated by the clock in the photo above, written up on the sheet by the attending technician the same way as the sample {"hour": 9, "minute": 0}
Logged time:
{"hour": 5, "minute": 11}
